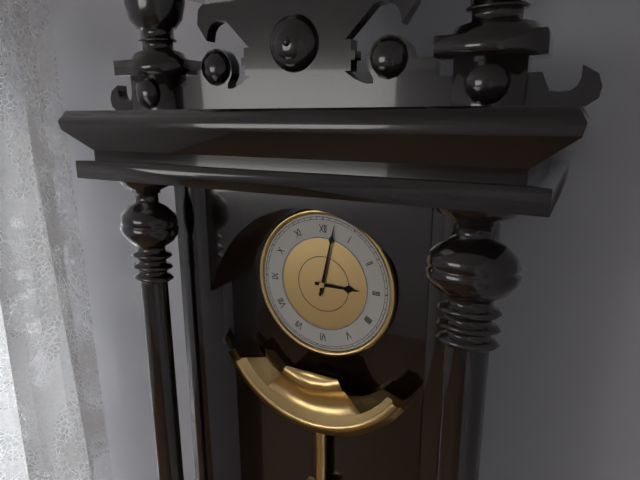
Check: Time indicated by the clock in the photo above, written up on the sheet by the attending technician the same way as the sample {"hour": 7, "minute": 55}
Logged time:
{"hour": 3, "minute": 2}
